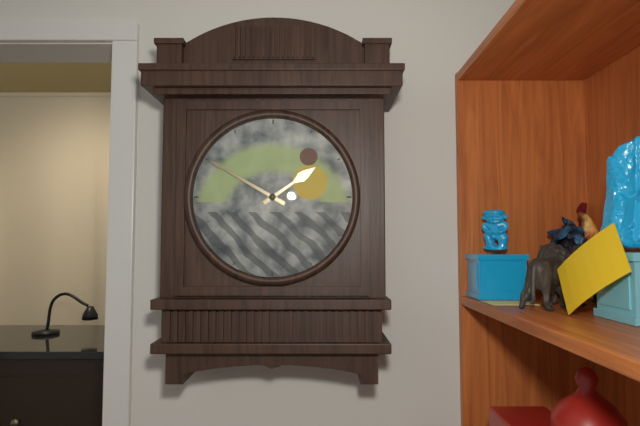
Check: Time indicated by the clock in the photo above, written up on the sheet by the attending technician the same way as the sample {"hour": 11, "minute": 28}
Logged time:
{"hour": 1, "minute": 50}
